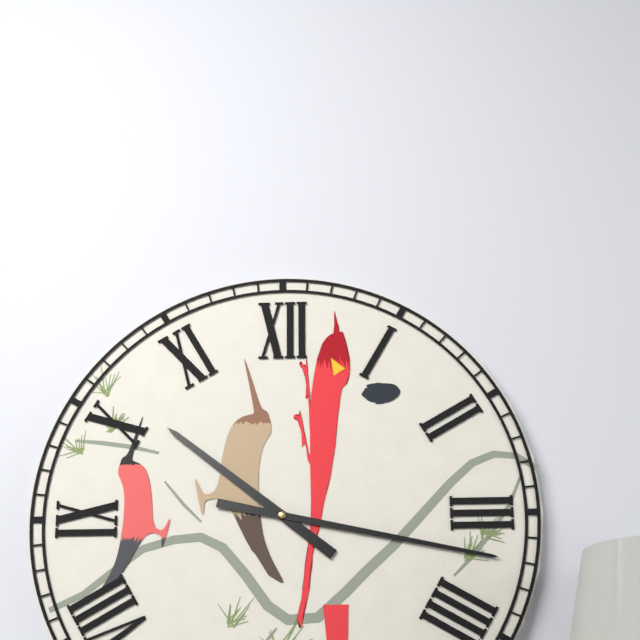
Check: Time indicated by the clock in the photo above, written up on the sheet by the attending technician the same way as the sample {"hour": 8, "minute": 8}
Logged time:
{"hour": 10, "minute": 17}
